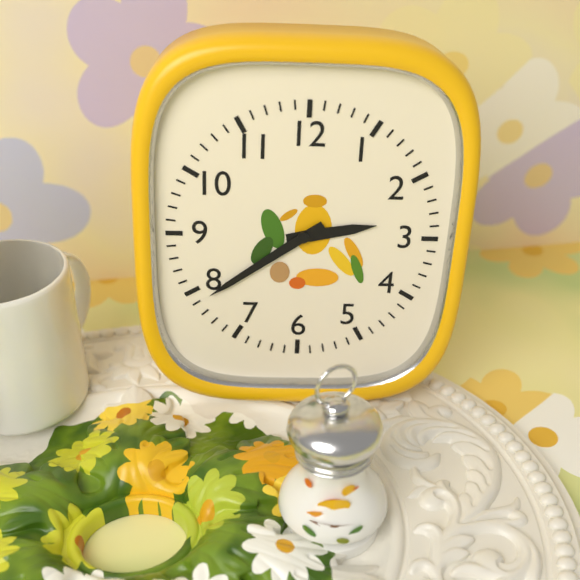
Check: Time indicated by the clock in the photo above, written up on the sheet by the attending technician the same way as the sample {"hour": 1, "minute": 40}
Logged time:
{"hour": 2, "minute": 39}
